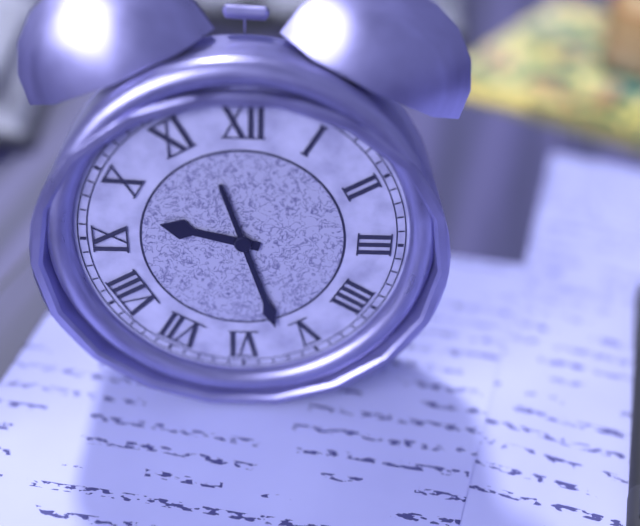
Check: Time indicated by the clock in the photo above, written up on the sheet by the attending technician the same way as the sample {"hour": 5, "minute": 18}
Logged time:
{"hour": 9, "minute": 27}
